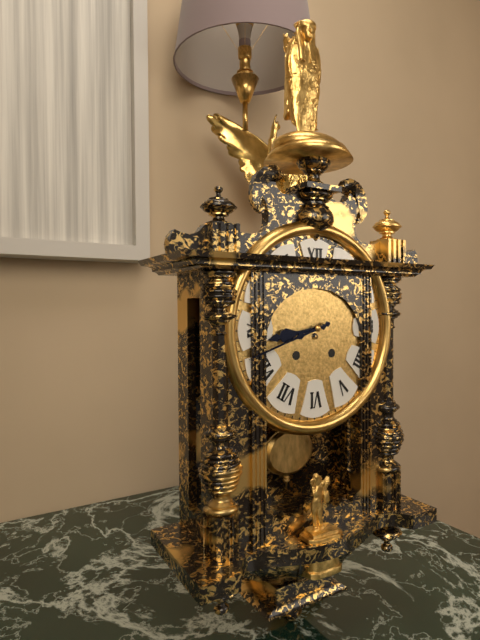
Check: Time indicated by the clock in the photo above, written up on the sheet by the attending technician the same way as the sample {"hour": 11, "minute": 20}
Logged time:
{"hour": 8, "minute": 42}
